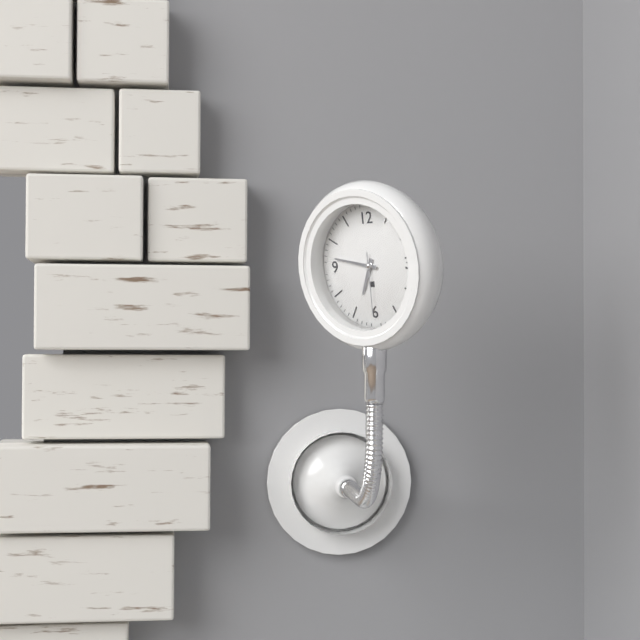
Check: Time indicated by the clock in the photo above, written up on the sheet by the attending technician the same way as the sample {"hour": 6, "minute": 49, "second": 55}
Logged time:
{"hour": 6, "minute": 47, "second": 30}
